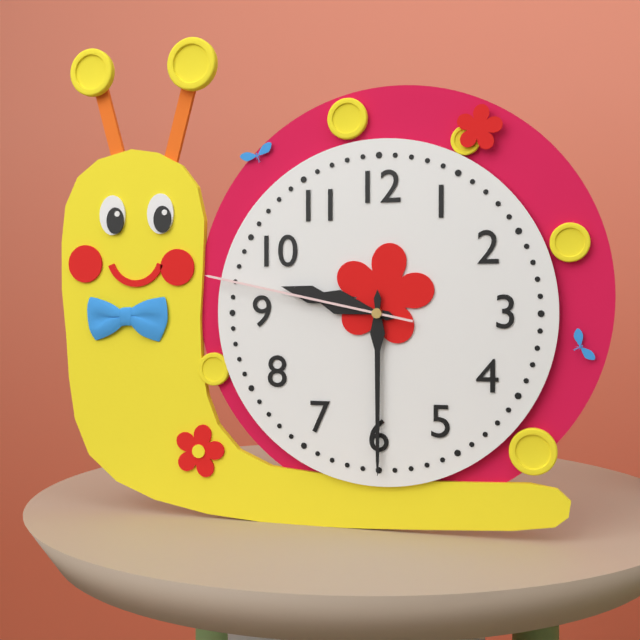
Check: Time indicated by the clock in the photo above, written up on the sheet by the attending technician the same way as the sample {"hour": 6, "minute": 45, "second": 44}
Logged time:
{"hour": 9, "minute": 30, "second": 47}
